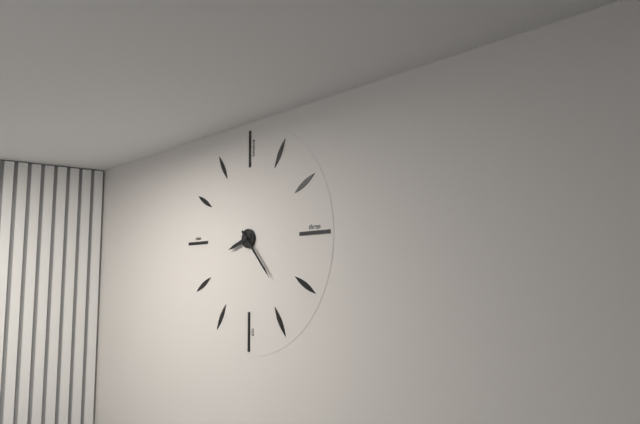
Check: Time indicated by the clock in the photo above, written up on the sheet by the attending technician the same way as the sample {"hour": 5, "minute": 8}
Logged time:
{"hour": 8, "minute": 23}
